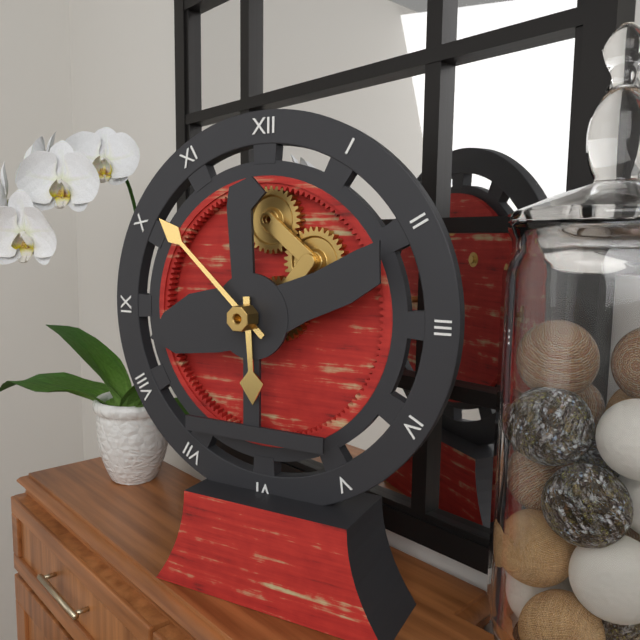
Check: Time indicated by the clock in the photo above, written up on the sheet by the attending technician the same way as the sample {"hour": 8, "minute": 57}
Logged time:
{"hour": 5, "minute": 52}
